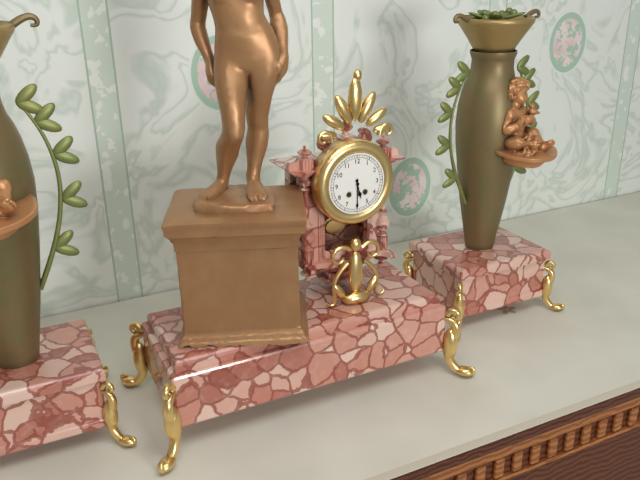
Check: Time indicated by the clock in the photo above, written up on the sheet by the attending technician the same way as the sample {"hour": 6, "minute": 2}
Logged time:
{"hour": 5, "minute": 30}
